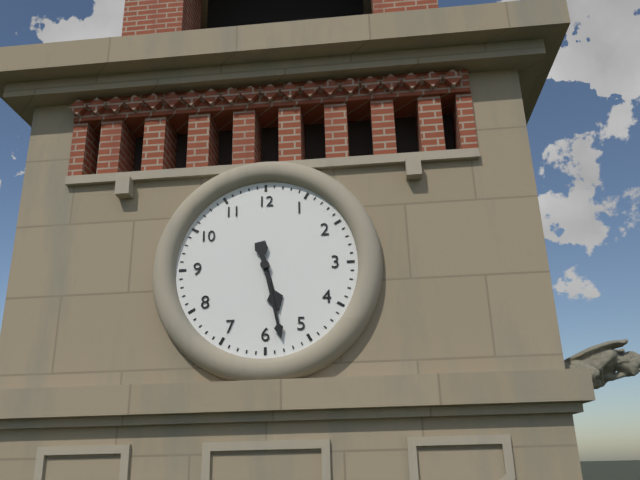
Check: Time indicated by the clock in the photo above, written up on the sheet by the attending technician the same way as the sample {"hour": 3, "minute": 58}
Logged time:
{"hour": 5, "minute": 28}
